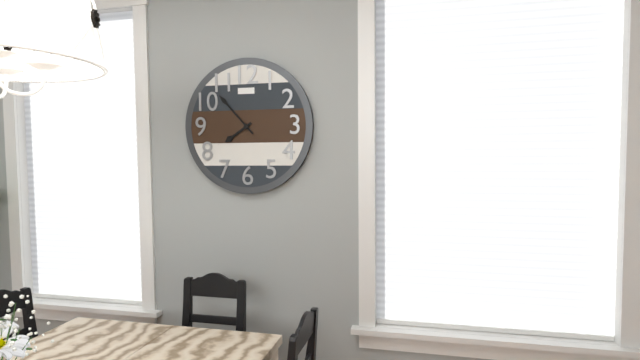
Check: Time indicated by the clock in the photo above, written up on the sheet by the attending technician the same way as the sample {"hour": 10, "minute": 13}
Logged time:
{"hour": 7, "minute": 53}
